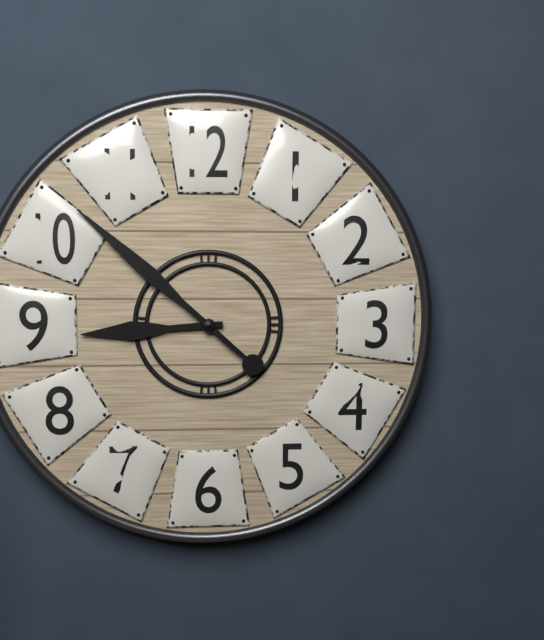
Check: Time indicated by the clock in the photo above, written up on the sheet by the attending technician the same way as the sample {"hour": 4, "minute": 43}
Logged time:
{"hour": 8, "minute": 52}
